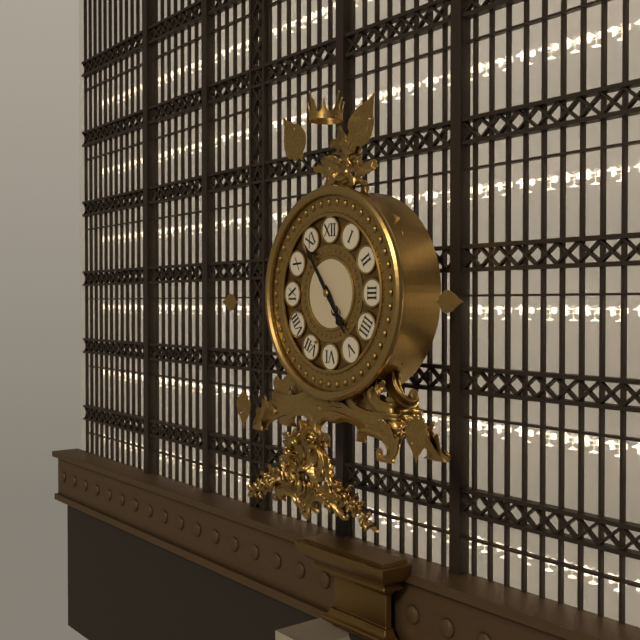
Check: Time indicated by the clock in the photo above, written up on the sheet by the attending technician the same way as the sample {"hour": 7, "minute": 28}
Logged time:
{"hour": 4, "minute": 54}
